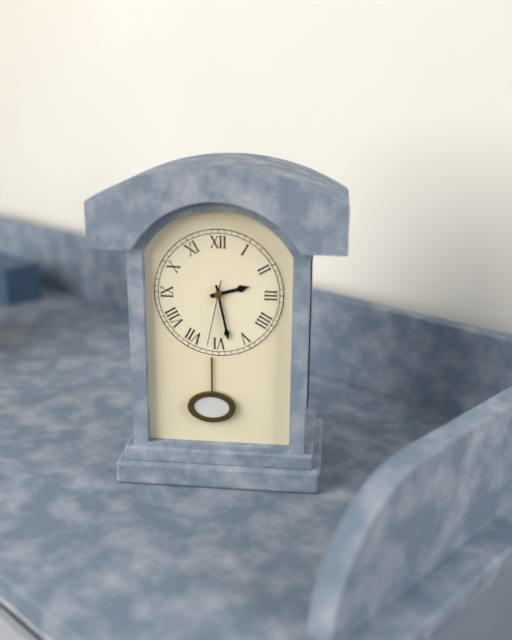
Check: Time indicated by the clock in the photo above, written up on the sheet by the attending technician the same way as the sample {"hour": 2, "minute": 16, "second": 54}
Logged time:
{"hour": 2, "minute": 28, "second": 32}
